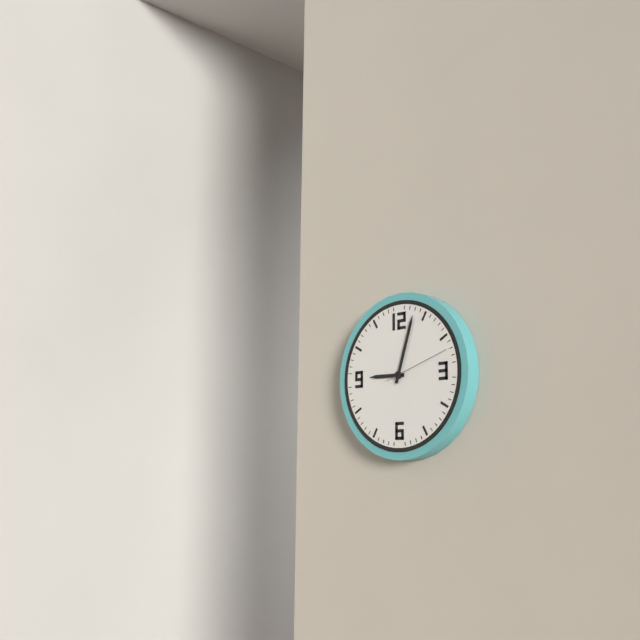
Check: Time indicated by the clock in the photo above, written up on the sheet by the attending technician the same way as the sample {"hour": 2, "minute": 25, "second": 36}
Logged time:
{"hour": 9, "minute": 3, "second": 12}
